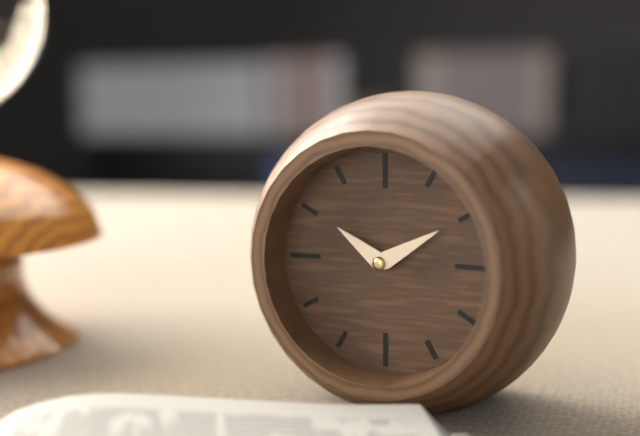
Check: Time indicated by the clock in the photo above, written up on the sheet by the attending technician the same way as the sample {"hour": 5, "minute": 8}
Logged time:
{"hour": 10, "minute": 10}
